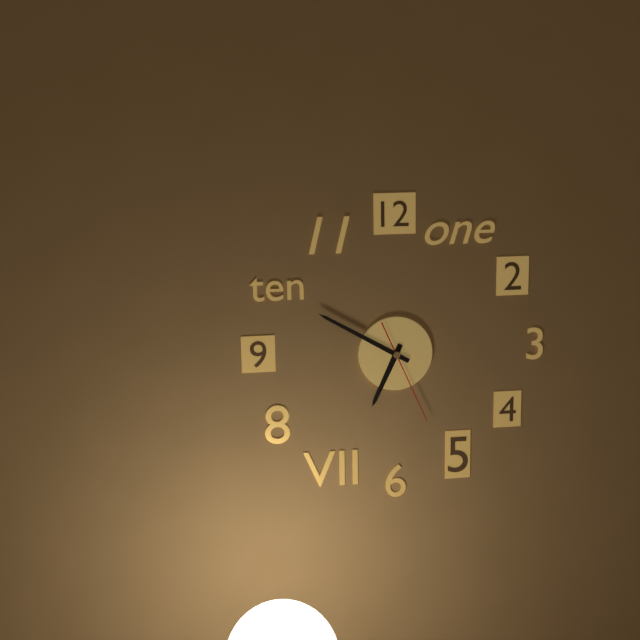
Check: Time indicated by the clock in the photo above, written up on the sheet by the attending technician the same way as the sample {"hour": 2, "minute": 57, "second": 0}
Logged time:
{"hour": 6, "minute": 50, "second": 26}
